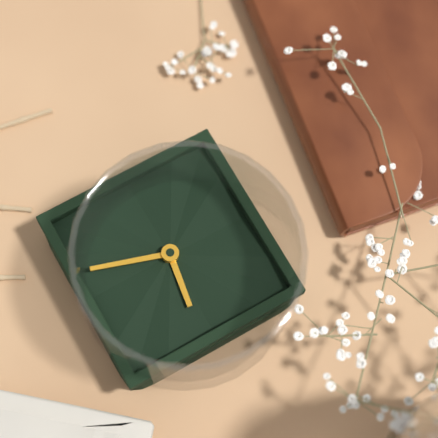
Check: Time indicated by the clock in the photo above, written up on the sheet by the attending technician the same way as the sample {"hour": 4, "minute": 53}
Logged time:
{"hour": 12, "minute": 18}
